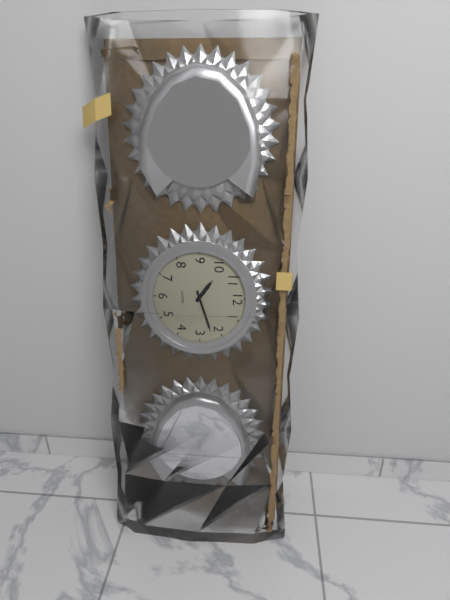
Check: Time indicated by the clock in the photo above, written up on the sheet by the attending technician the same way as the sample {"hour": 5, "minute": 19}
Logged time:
{"hour": 10, "minute": 12}
